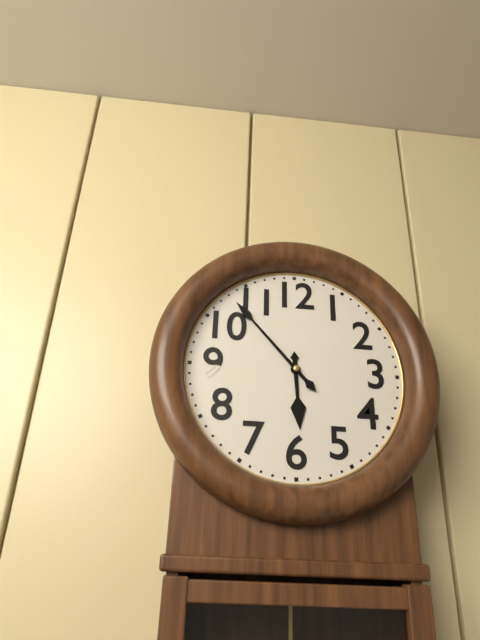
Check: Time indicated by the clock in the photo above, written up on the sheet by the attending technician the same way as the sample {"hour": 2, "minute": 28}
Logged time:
{"hour": 5, "minute": 53}
